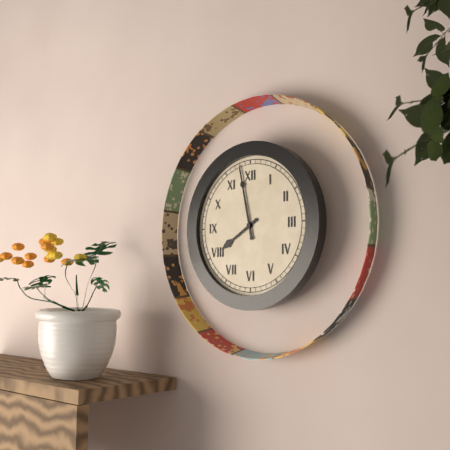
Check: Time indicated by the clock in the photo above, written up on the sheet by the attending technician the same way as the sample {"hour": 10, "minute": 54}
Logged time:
{"hour": 7, "minute": 58}
